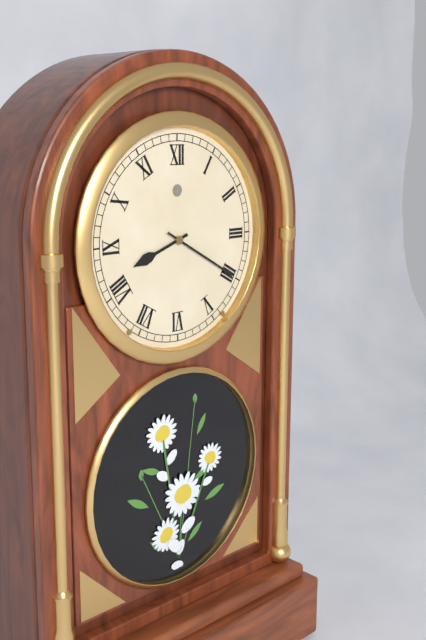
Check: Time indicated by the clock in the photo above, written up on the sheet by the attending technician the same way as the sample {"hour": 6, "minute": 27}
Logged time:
{"hour": 8, "minute": 20}
